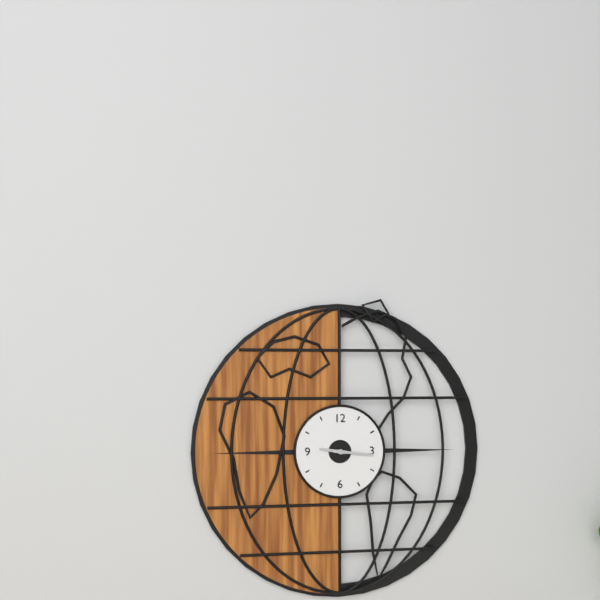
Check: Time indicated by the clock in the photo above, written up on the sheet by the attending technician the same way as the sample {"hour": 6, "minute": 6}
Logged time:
{"hour": 9, "minute": 16}
